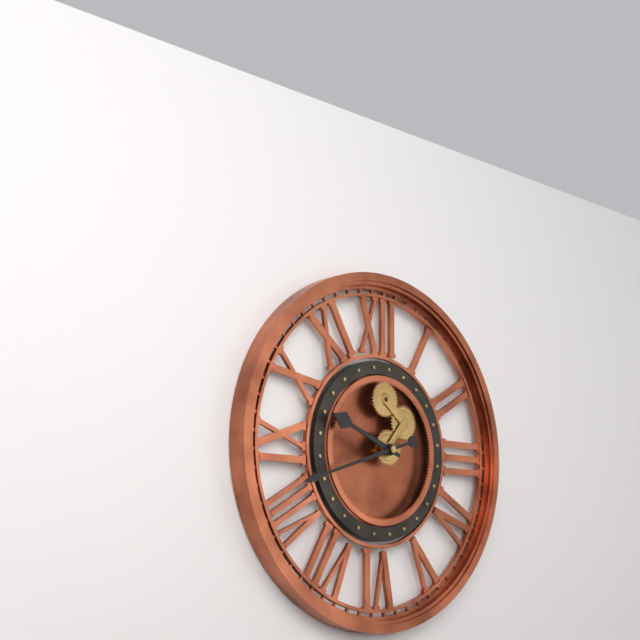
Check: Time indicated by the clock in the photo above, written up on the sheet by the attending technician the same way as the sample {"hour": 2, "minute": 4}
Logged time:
{"hour": 9, "minute": 42}
